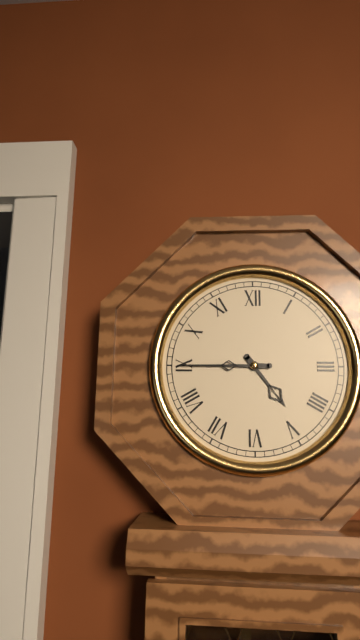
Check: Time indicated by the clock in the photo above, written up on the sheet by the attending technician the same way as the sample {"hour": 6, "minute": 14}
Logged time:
{"hour": 4, "minute": 45}
